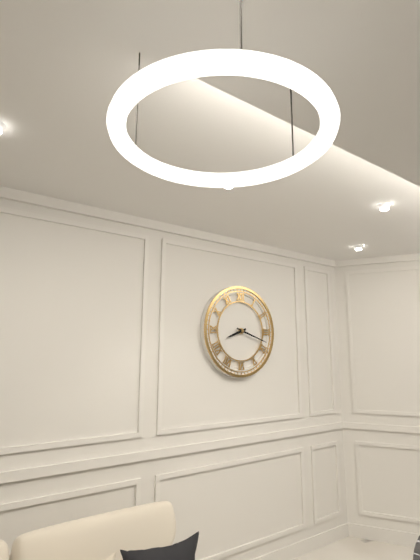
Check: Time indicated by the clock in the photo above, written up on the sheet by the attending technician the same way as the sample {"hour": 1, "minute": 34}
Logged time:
{"hour": 8, "minute": 18}
